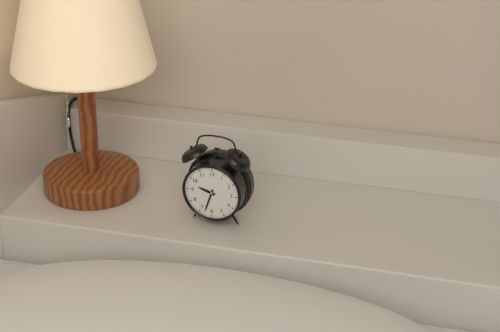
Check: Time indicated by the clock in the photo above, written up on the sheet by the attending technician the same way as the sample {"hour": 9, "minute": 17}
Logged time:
{"hour": 9, "minute": 33}
